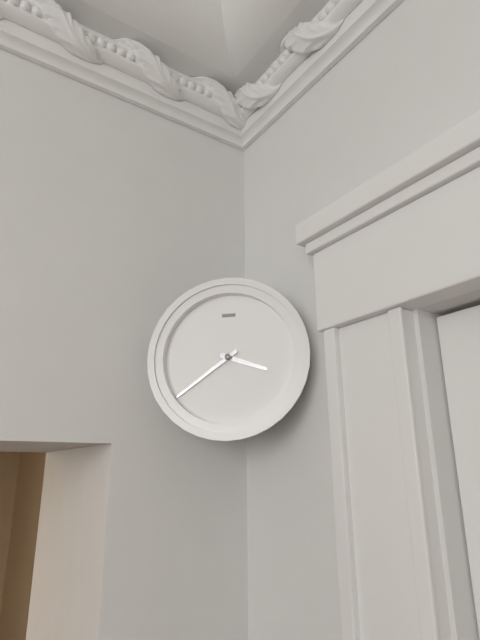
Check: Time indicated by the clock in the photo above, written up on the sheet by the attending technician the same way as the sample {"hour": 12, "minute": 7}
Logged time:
{"hour": 3, "minute": 39}
